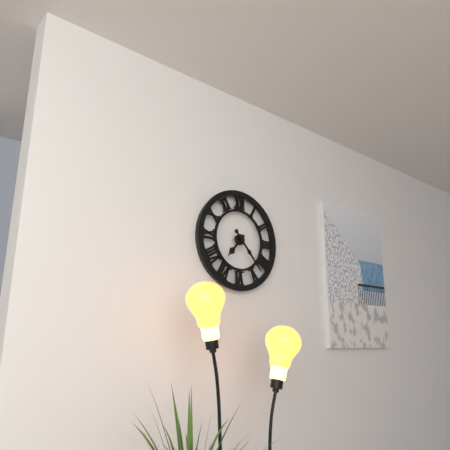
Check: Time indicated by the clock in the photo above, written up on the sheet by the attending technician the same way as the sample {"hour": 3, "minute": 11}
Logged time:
{"hour": 7, "minute": 23}
